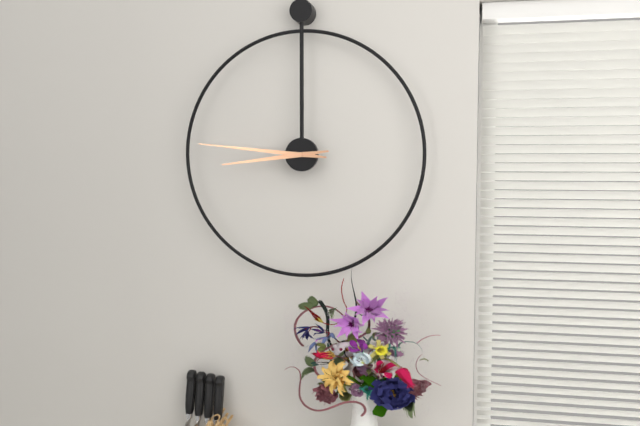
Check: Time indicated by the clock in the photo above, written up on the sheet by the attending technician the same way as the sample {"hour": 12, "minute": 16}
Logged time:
{"hour": 8, "minute": 46}
